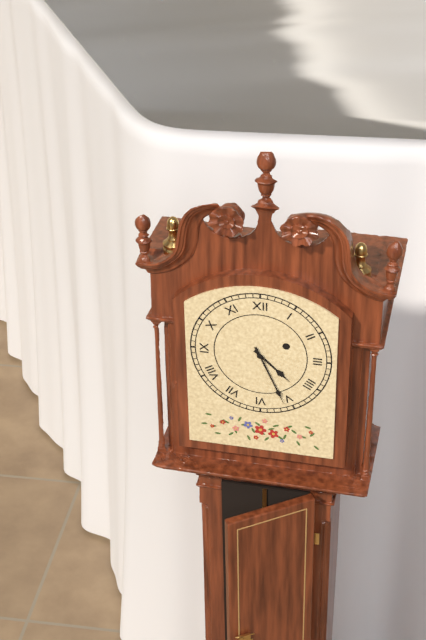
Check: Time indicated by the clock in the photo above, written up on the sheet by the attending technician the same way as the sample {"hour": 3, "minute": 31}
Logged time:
{"hour": 4, "minute": 26}
